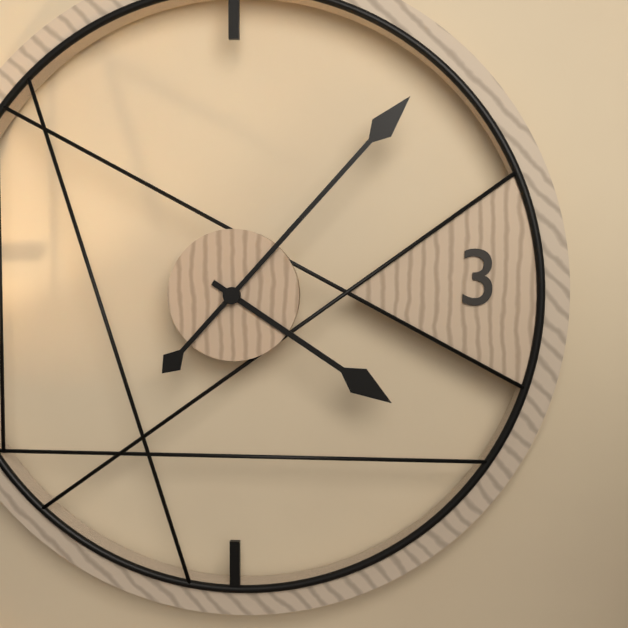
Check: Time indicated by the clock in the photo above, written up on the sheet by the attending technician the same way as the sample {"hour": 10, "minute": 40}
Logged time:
{"hour": 4, "minute": 7}
